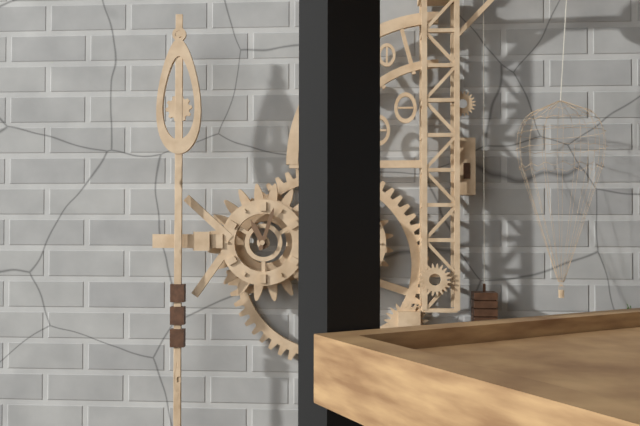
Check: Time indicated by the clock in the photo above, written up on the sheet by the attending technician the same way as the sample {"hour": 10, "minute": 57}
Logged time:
{"hour": 11, "minute": 3}
